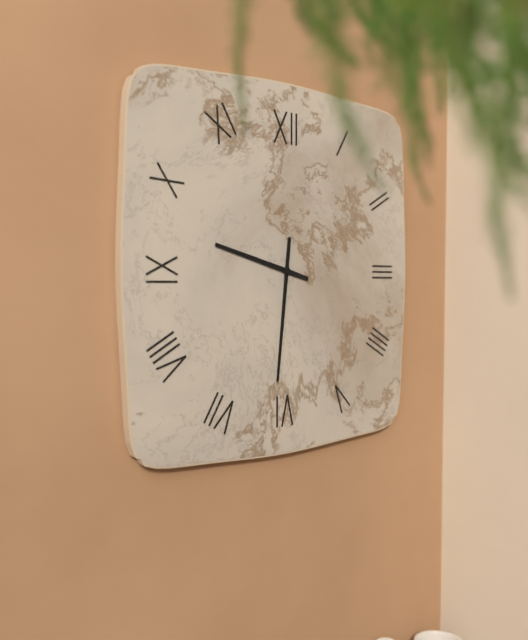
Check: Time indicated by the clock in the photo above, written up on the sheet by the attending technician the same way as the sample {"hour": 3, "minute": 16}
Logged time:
{"hour": 9, "minute": 31}
